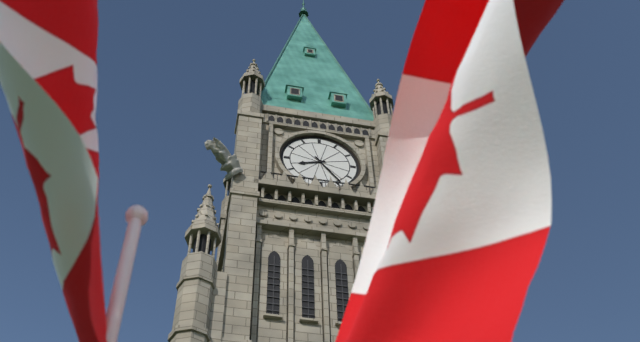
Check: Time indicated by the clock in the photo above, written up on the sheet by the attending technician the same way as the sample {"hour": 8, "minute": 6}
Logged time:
{"hour": 8, "minute": 24}
